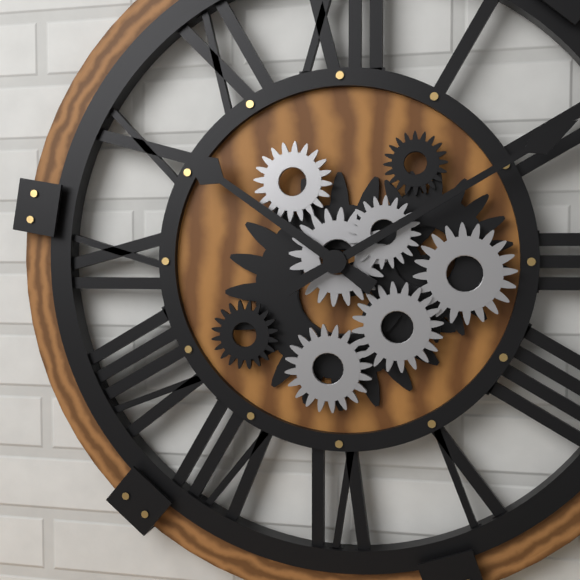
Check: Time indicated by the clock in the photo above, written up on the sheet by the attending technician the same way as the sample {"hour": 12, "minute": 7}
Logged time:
{"hour": 10, "minute": 10}
